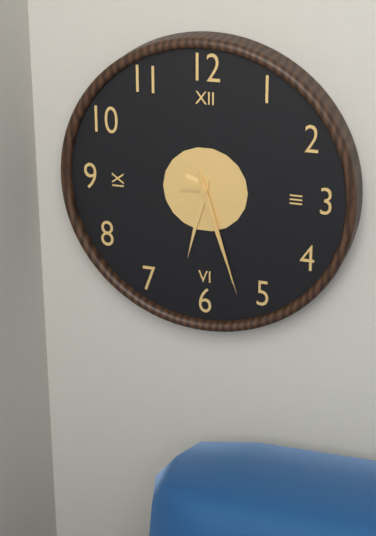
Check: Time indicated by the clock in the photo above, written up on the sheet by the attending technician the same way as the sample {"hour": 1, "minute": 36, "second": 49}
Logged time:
{"hour": 6, "minute": 27, "second": 27}
